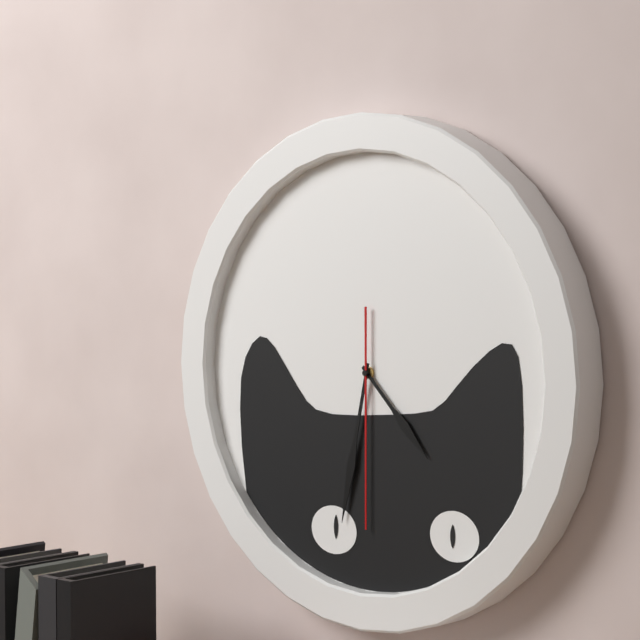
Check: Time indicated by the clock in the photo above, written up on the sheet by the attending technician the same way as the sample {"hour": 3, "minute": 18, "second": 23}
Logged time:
{"hour": 4, "minute": 32, "second": 30}
